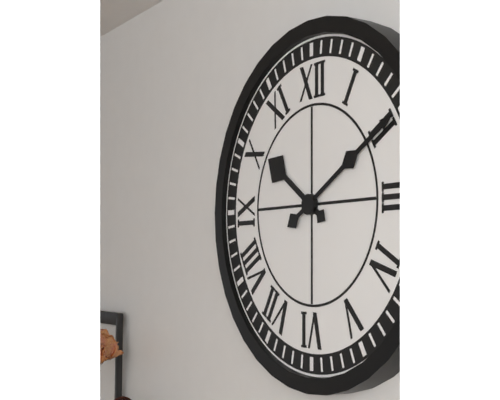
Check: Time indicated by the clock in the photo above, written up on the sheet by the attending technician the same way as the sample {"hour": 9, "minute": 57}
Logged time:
{"hour": 10, "minute": 10}
